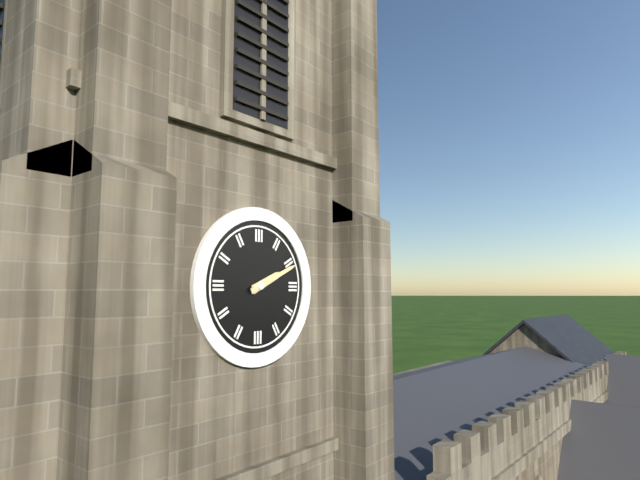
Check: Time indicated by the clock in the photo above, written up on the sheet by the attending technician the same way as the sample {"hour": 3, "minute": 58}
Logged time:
{"hour": 2, "minute": 11}
